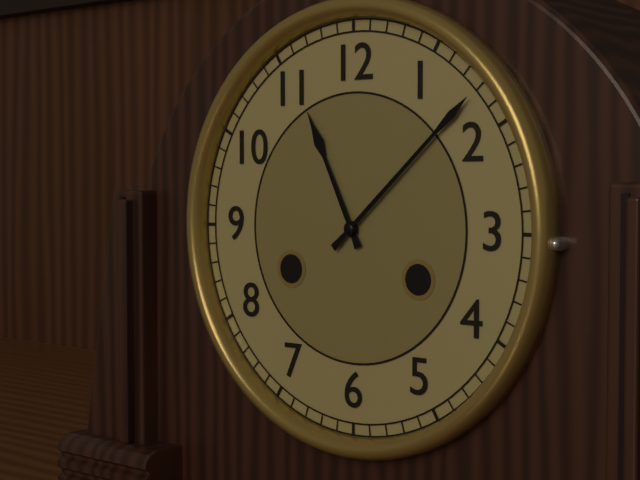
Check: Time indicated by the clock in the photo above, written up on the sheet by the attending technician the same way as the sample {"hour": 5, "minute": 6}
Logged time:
{"hour": 11, "minute": 8}
